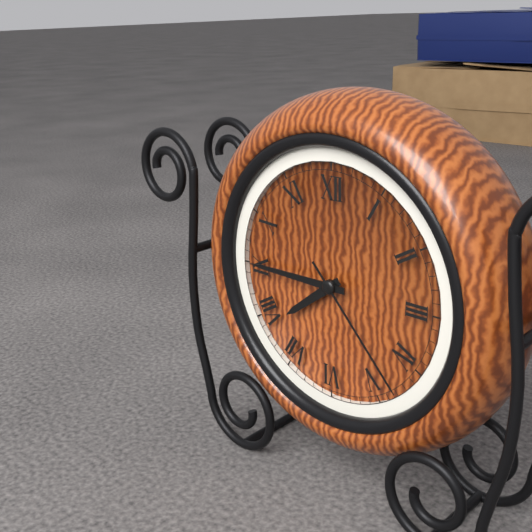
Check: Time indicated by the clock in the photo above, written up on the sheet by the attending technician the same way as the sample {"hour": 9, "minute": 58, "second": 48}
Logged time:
{"hour": 7, "minute": 45, "second": 23}
